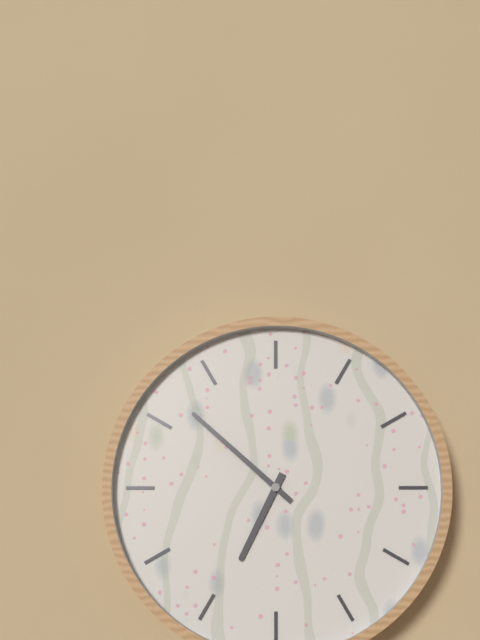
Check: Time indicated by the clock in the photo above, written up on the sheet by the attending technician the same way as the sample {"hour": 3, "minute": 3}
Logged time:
{"hour": 6, "minute": 52}
